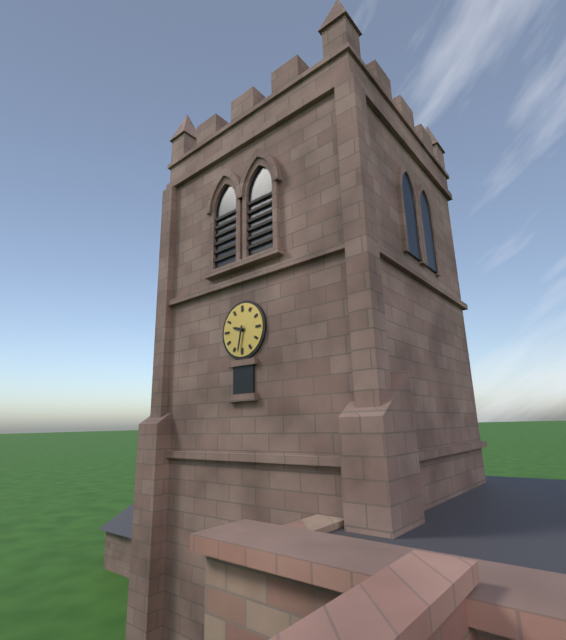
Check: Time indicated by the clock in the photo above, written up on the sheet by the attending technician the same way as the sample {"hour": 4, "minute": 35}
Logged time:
{"hour": 9, "minute": 32}
